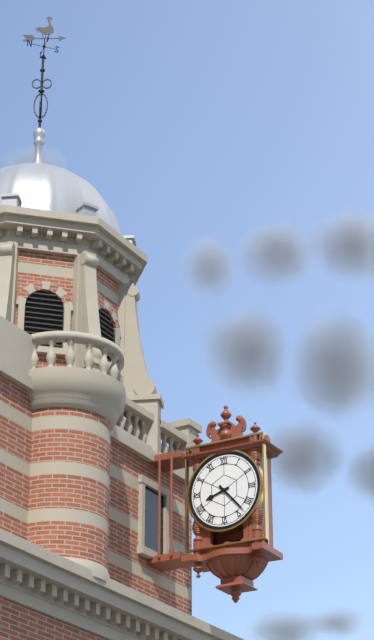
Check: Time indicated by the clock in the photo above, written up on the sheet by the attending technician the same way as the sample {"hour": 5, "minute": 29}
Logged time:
{"hour": 8, "minute": 23}
